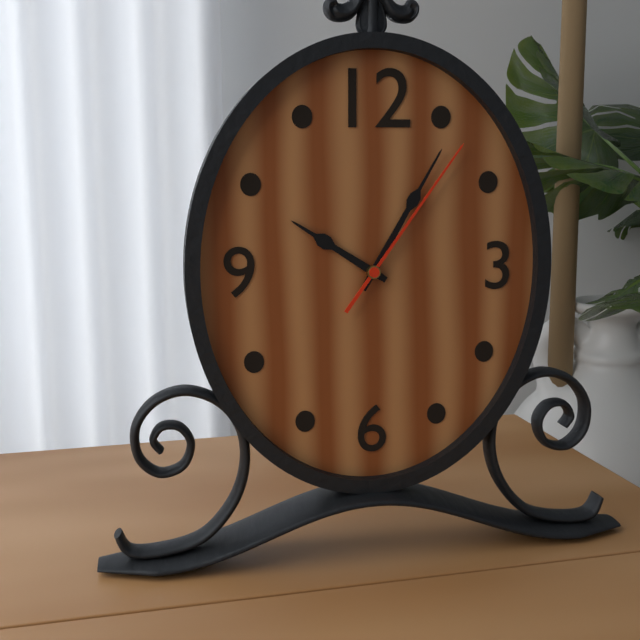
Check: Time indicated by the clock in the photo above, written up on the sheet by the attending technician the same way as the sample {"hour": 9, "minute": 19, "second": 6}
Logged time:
{"hour": 10, "minute": 5, "second": 6}
